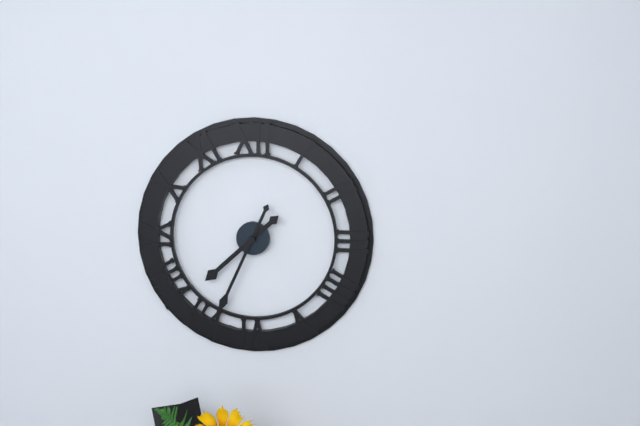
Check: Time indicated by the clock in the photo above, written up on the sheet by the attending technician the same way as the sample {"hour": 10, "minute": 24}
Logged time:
{"hour": 7, "minute": 34}
